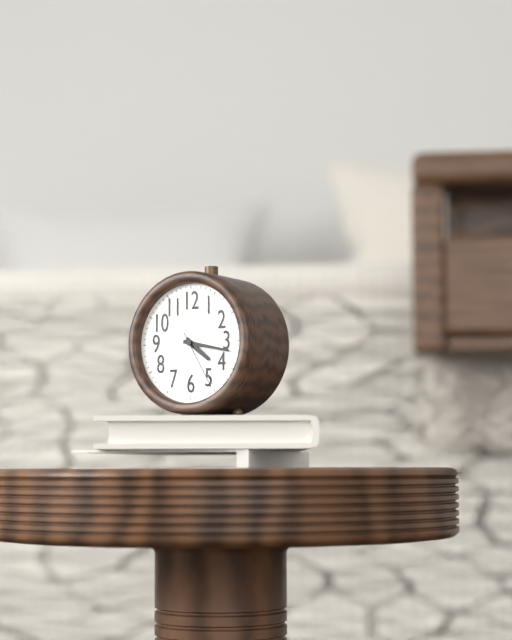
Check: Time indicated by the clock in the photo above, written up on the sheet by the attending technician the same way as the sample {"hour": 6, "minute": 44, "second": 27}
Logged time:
{"hour": 4, "minute": 17, "second": 25}
